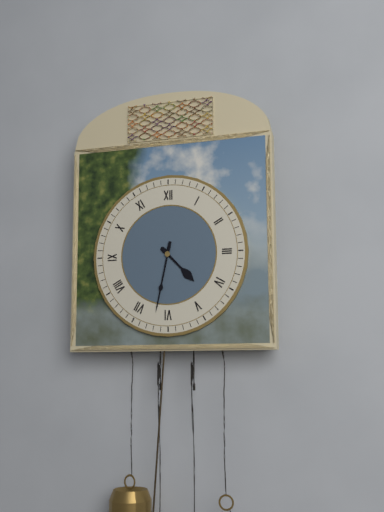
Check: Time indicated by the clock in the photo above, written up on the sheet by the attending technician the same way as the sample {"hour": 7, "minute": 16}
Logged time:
{"hour": 4, "minute": 32}
